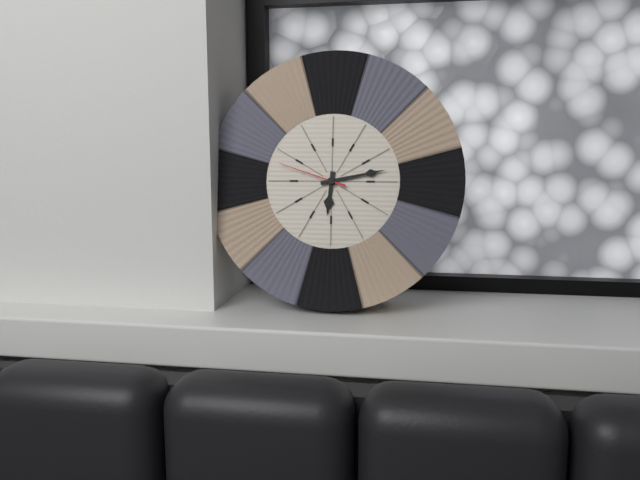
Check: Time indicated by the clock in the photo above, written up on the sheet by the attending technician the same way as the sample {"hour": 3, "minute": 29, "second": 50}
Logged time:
{"hour": 6, "minute": 13, "second": 48}
